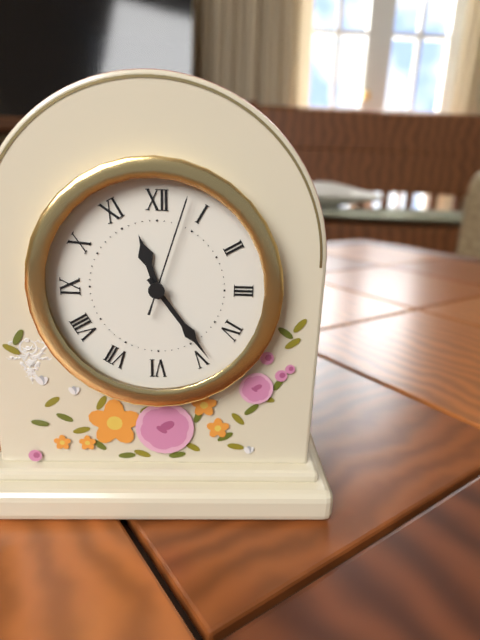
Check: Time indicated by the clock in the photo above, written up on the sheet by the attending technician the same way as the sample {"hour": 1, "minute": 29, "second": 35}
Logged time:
{"hour": 11, "minute": 24, "second": 3}
